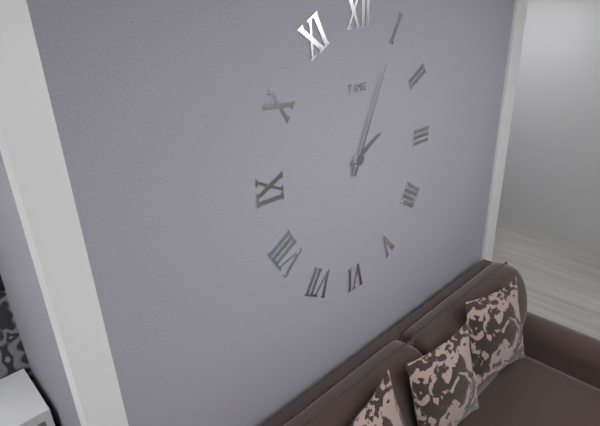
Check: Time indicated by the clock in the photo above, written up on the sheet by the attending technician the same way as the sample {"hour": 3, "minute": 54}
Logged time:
{"hour": 2, "minute": 4}
